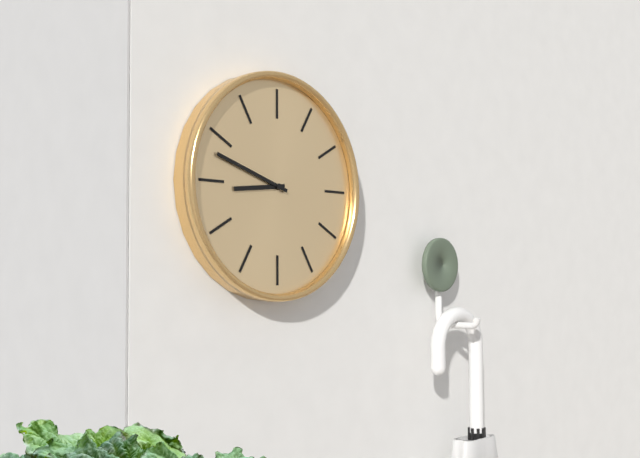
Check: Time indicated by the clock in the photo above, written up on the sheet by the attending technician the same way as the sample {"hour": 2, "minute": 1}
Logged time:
{"hour": 8, "minute": 48}
